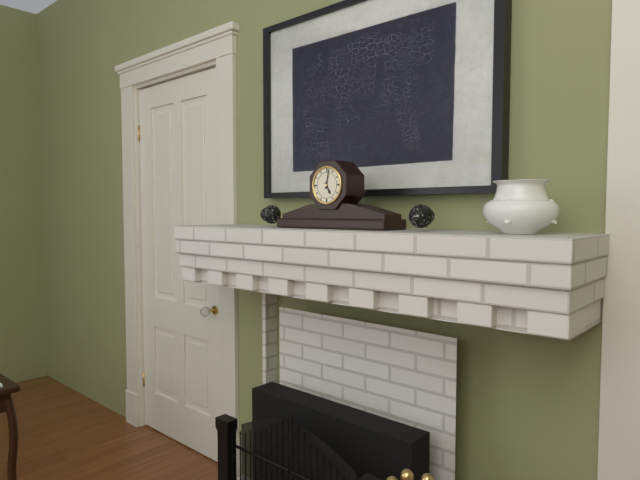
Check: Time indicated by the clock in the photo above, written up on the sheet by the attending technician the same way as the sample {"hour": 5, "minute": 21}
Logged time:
{"hour": 5, "minute": 2}
